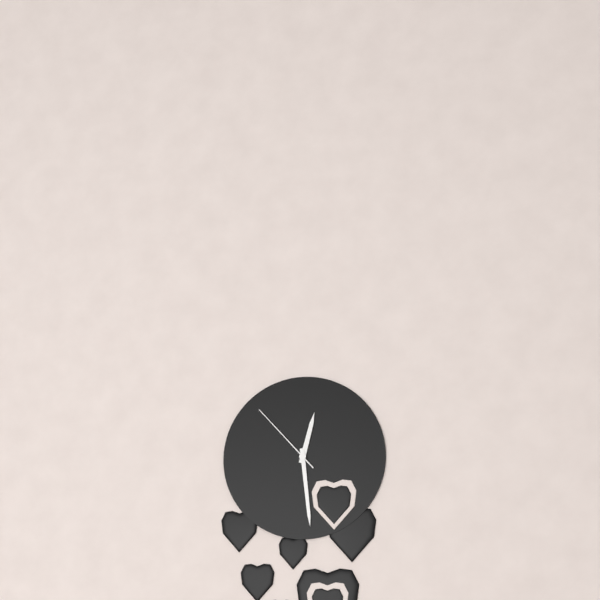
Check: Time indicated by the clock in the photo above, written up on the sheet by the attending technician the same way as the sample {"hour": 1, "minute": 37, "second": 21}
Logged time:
{"hour": 12, "minute": 29, "second": 53}
